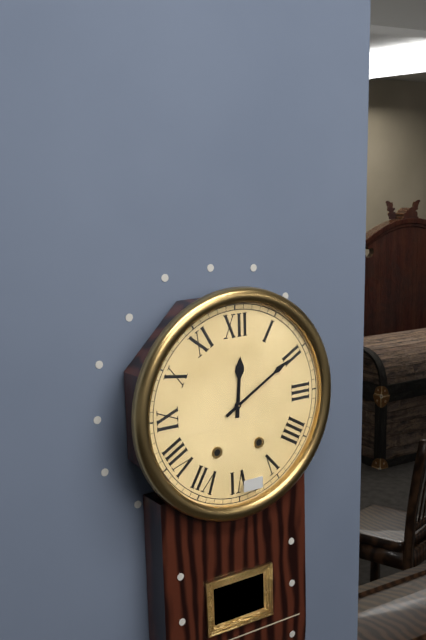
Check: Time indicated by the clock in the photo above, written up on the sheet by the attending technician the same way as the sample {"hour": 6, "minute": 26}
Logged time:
{"hour": 12, "minute": 10}
